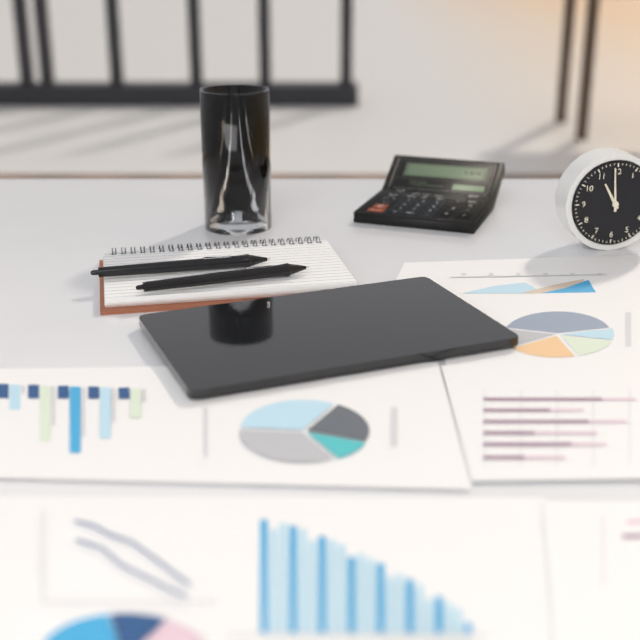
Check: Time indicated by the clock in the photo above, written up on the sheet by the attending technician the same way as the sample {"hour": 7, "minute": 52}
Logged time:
{"hour": 10, "minute": 59}
